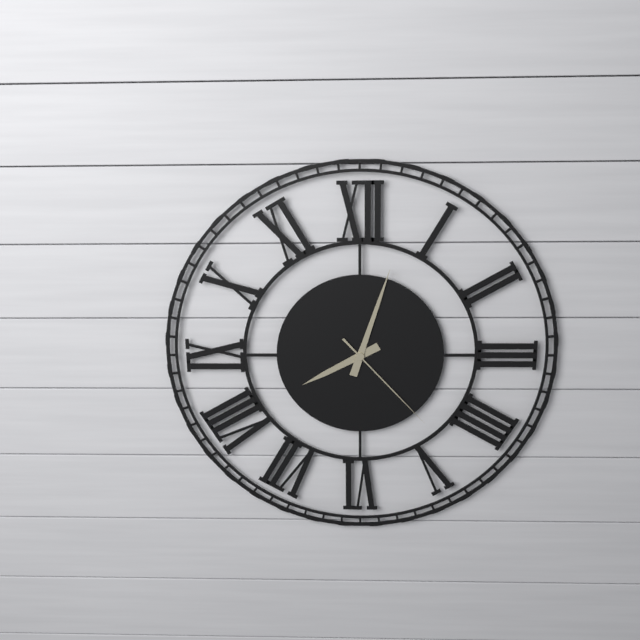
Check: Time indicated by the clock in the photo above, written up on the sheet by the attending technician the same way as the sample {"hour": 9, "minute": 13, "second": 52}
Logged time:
{"hour": 8, "minute": 3, "second": 23}
